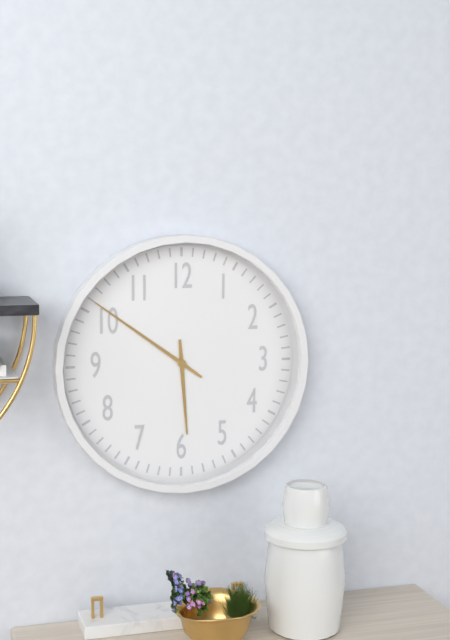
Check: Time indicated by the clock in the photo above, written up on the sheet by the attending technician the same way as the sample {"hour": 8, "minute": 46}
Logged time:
{"hour": 5, "minute": 51}
